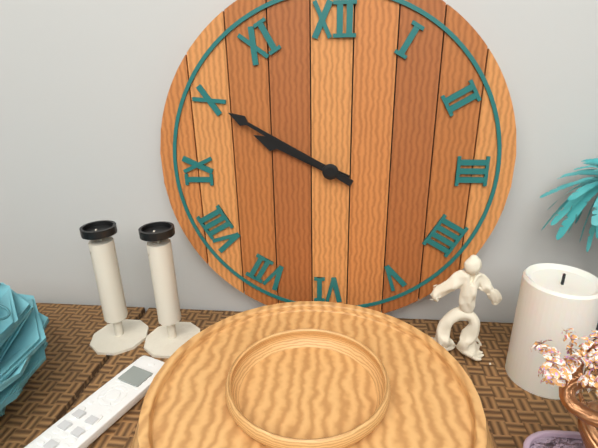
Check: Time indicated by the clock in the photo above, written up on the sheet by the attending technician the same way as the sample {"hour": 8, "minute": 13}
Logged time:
{"hour": 9, "minute": 50}
